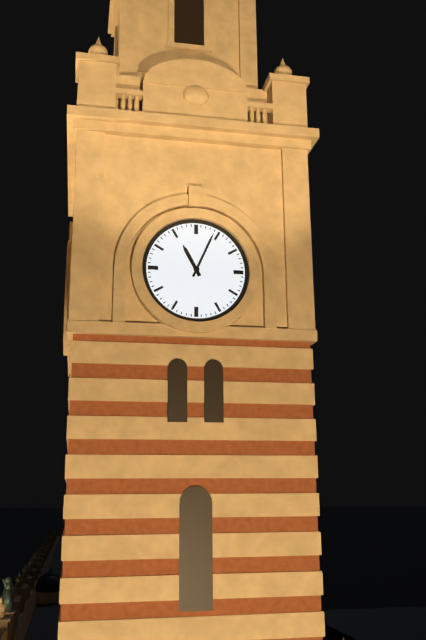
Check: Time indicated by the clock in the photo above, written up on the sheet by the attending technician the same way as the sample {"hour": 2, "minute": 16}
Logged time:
{"hour": 11, "minute": 4}
